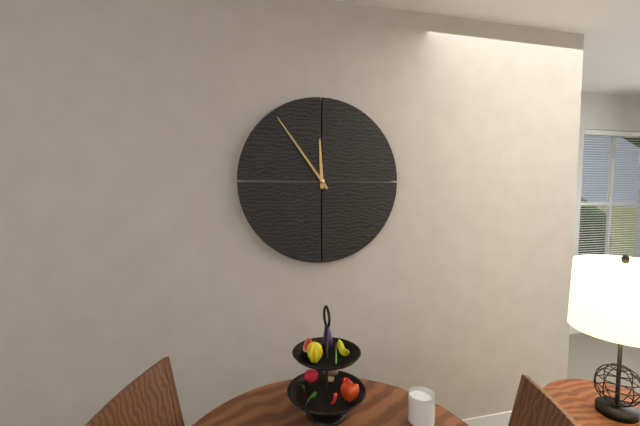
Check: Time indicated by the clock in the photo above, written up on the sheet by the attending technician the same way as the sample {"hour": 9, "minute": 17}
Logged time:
{"hour": 11, "minute": 54}
